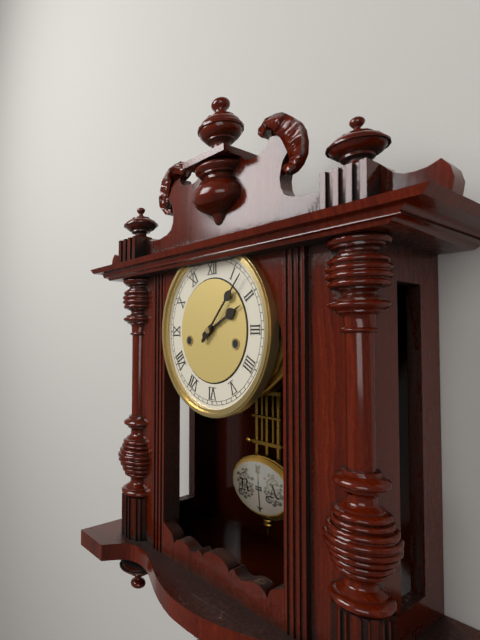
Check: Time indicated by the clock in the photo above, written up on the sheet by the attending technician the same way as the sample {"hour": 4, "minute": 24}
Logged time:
{"hour": 2, "minute": 7}
